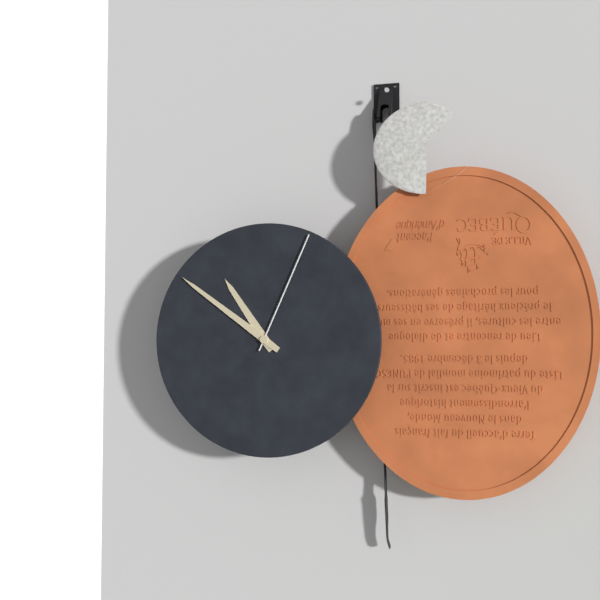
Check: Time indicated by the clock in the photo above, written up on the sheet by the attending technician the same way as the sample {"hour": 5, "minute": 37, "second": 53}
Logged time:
{"hour": 10, "minute": 51, "second": 4}
